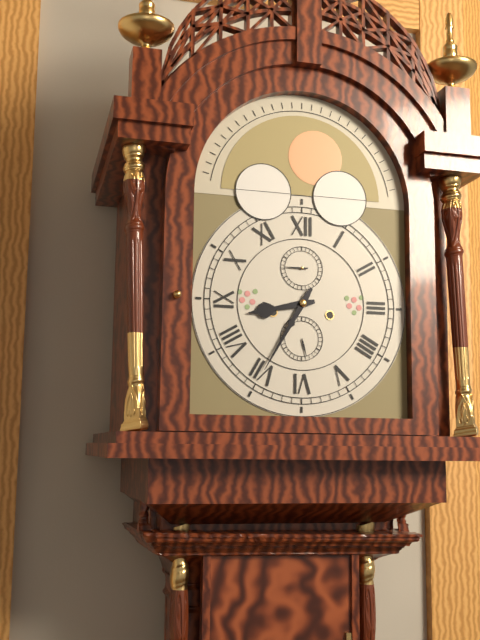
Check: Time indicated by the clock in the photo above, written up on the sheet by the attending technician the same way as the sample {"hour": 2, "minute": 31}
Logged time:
{"hour": 8, "minute": 35}
